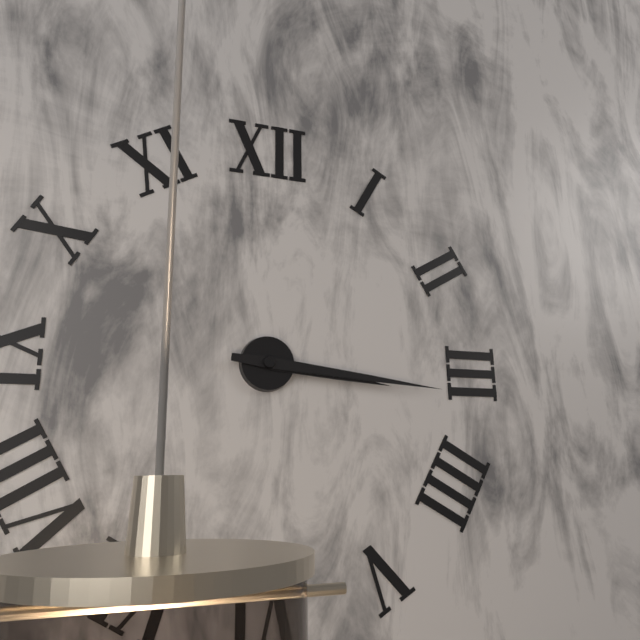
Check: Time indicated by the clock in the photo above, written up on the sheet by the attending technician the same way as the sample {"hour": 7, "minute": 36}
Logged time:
{"hour": 3, "minute": 16}
